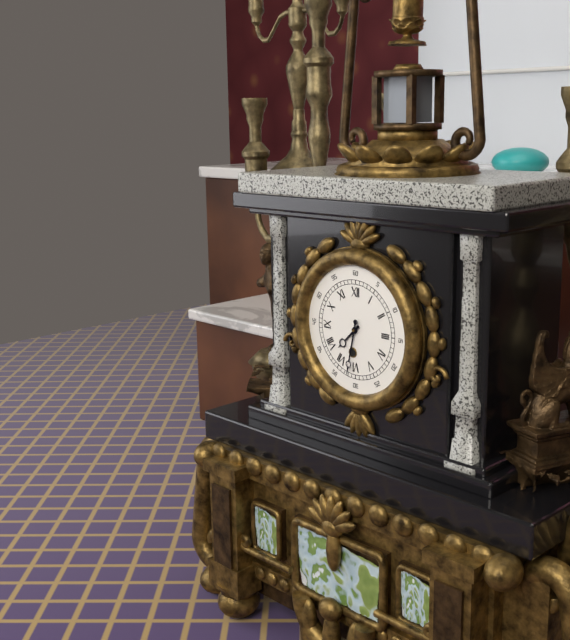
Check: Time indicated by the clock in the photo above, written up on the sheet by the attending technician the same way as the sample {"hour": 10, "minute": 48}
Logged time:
{"hour": 7, "minute": 32}
